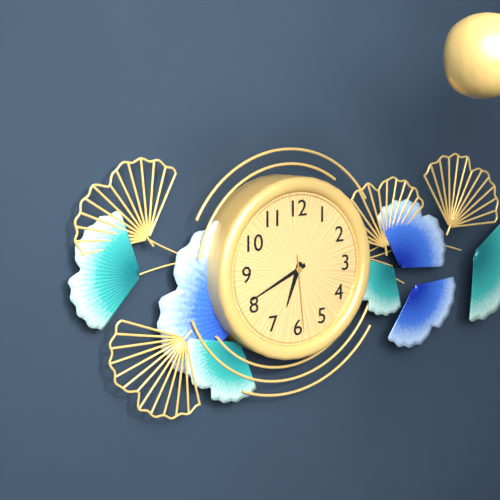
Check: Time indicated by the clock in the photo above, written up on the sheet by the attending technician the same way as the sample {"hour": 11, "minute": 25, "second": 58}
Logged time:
{"hour": 6, "minute": 41, "second": 29}
